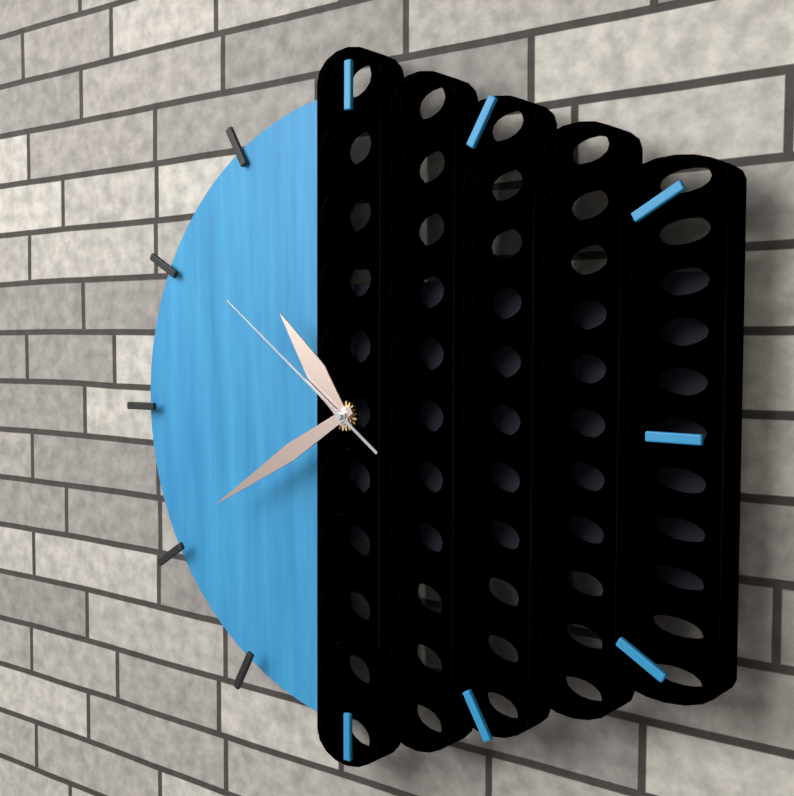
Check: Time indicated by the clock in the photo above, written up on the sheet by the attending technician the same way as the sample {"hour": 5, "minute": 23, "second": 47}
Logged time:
{"hour": 10, "minute": 40, "second": 51}
